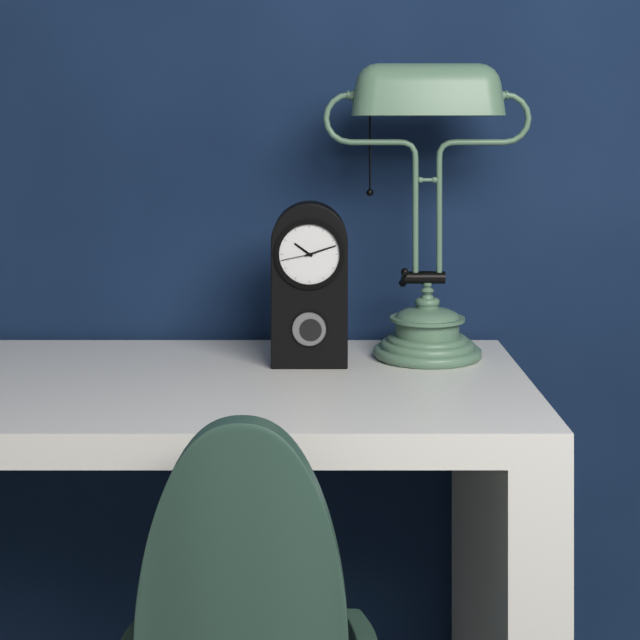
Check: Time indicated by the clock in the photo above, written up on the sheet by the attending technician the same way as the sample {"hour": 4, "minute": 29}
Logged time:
{"hour": 10, "minute": 12}
